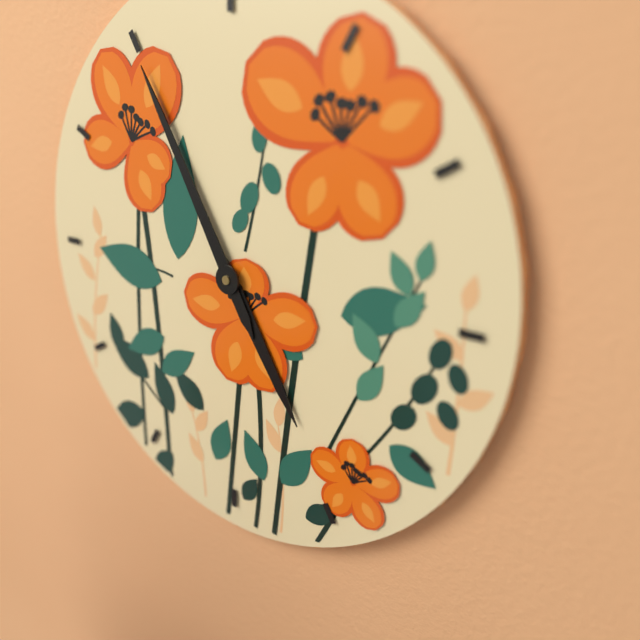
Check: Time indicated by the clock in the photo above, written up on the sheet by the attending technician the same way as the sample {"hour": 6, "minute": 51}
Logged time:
{"hour": 4, "minute": 55}
